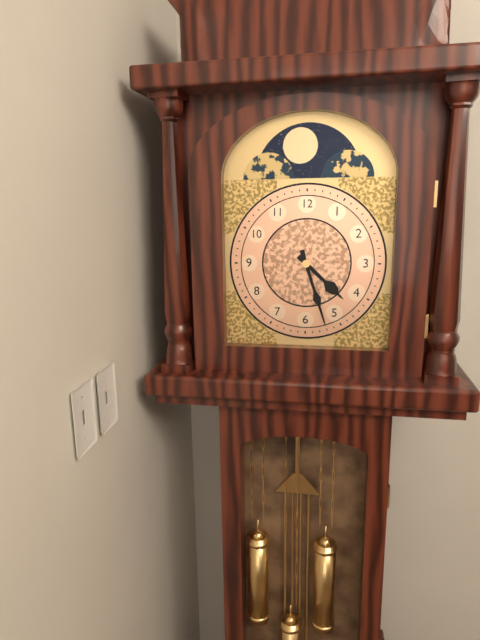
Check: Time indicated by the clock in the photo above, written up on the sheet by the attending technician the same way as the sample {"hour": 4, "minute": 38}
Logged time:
{"hour": 4, "minute": 27}
